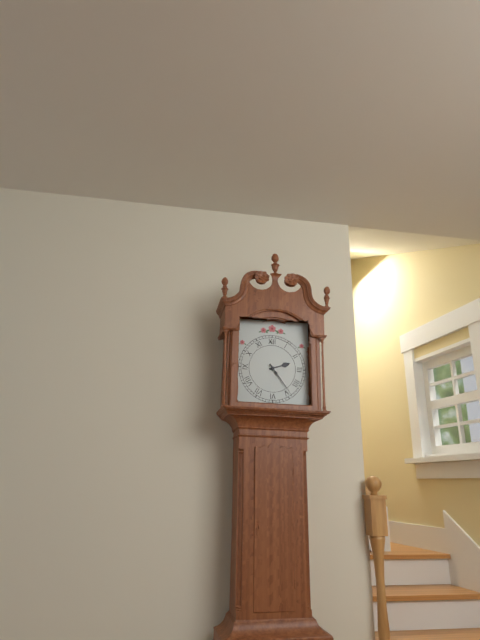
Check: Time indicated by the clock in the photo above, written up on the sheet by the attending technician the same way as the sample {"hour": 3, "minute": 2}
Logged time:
{"hour": 2, "minute": 24}
